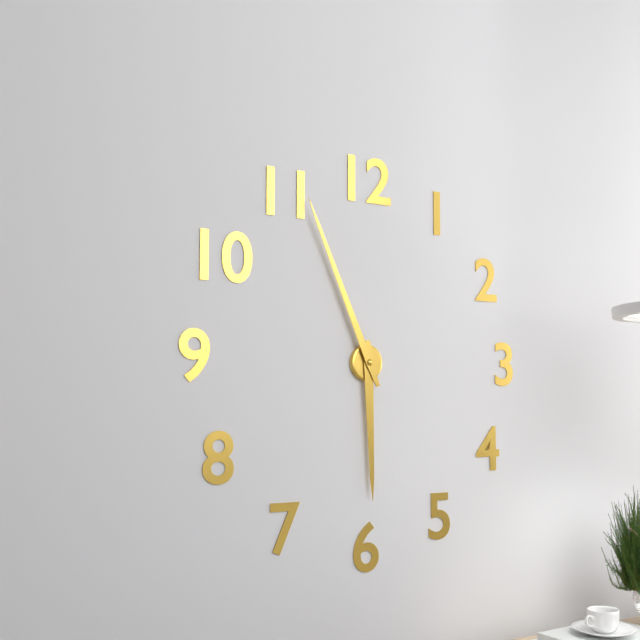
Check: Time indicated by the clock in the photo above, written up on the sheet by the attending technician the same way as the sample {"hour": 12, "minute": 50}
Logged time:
{"hour": 5, "minute": 56}
